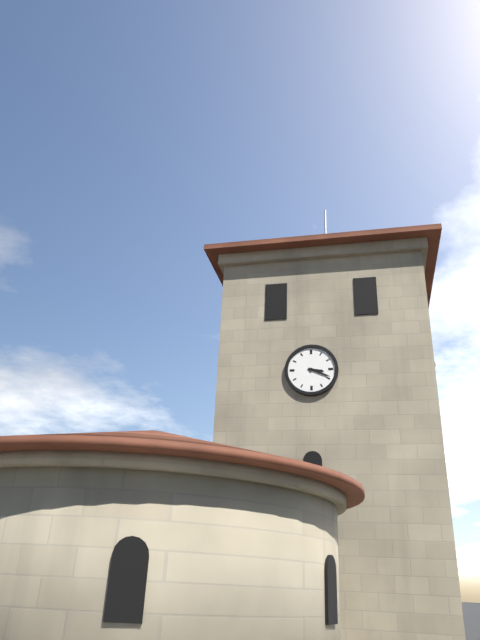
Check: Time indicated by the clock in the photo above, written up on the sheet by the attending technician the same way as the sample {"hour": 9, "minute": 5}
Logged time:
{"hour": 3, "minute": 19}
